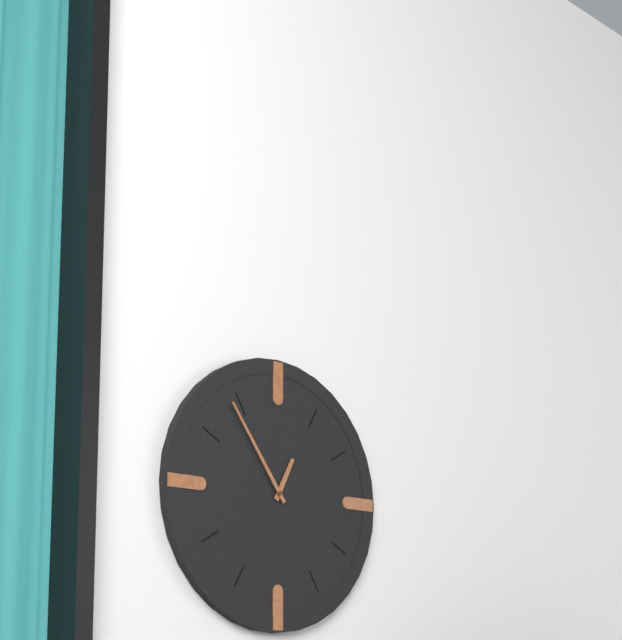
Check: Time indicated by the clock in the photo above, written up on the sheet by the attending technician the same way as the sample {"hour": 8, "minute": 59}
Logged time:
{"hour": 12, "minute": 54}
